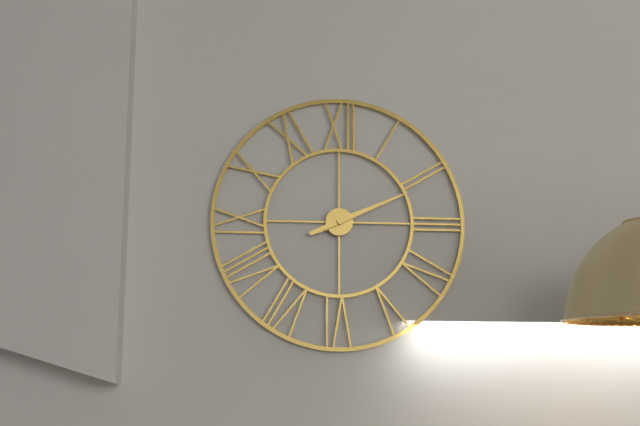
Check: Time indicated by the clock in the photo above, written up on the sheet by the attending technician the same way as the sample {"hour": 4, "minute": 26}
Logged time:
{"hour": 2, "minute": 11}
